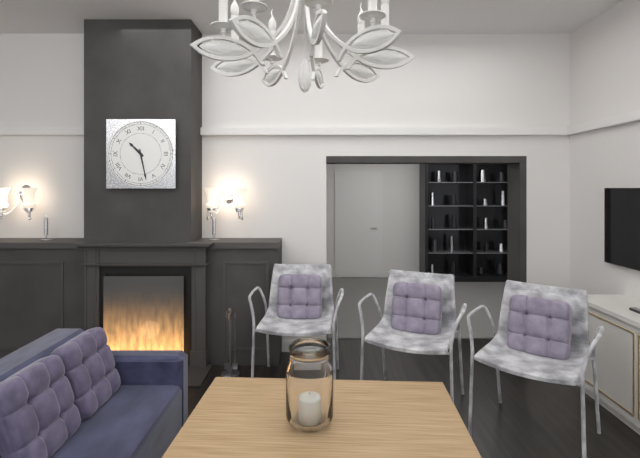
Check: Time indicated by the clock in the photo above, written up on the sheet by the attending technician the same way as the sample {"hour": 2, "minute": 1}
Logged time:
{"hour": 10, "minute": 28}
